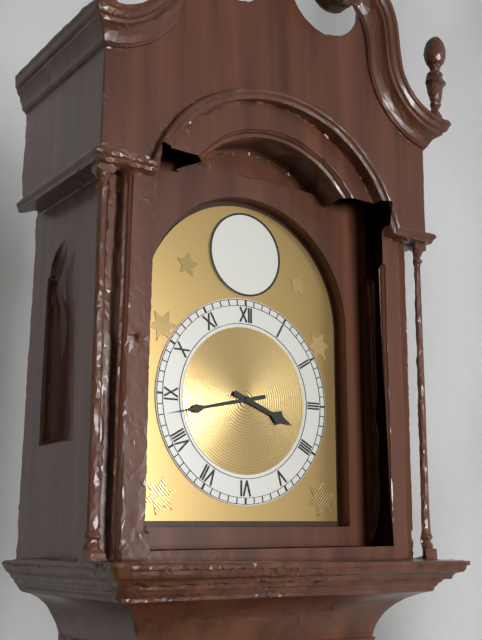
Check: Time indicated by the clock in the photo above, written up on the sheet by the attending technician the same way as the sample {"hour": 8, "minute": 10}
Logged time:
{"hour": 3, "minute": 43}
